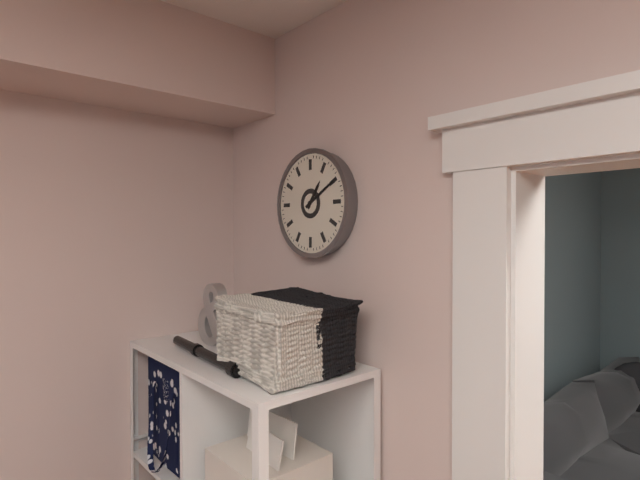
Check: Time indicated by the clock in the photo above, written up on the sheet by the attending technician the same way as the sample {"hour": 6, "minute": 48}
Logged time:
{"hour": 1, "minute": 10}
